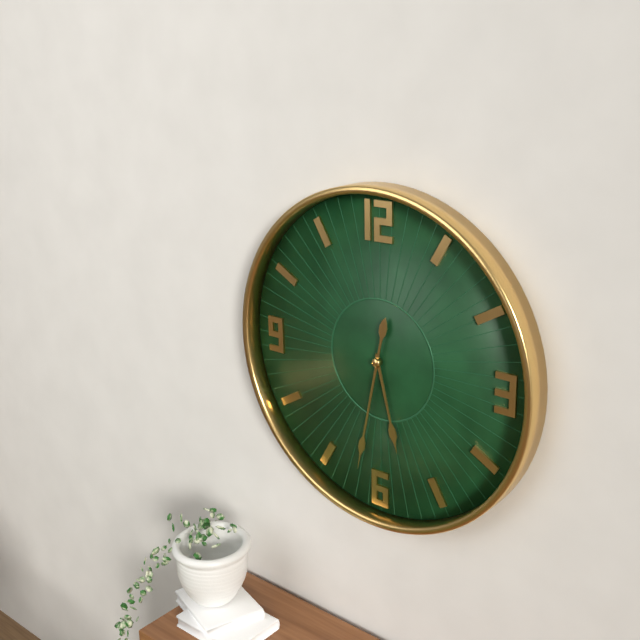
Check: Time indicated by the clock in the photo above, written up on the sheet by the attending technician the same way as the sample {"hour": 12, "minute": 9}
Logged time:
{"hour": 5, "minute": 32}
